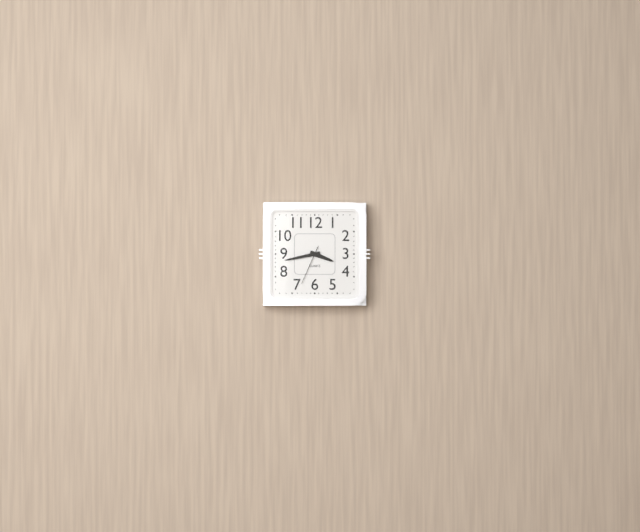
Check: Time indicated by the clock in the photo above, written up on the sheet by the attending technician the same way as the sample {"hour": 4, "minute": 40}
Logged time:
{"hour": 3, "minute": 43}
